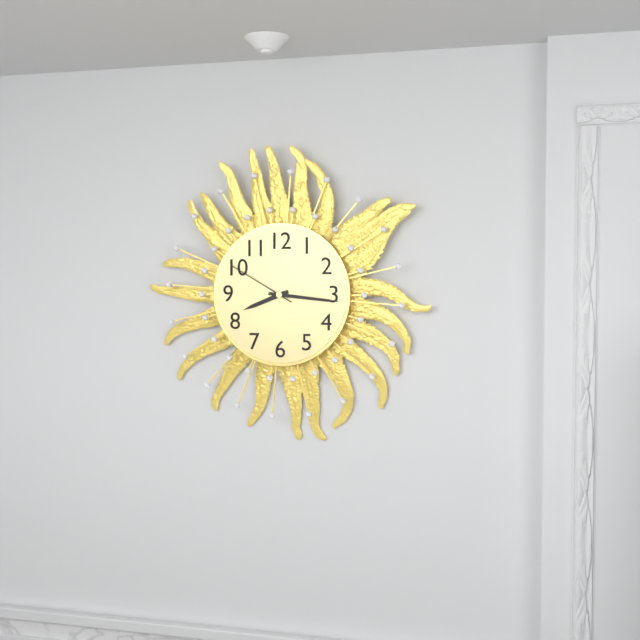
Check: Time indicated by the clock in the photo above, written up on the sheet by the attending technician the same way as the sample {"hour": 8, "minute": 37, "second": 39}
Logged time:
{"hour": 8, "minute": 16, "second": 50}
